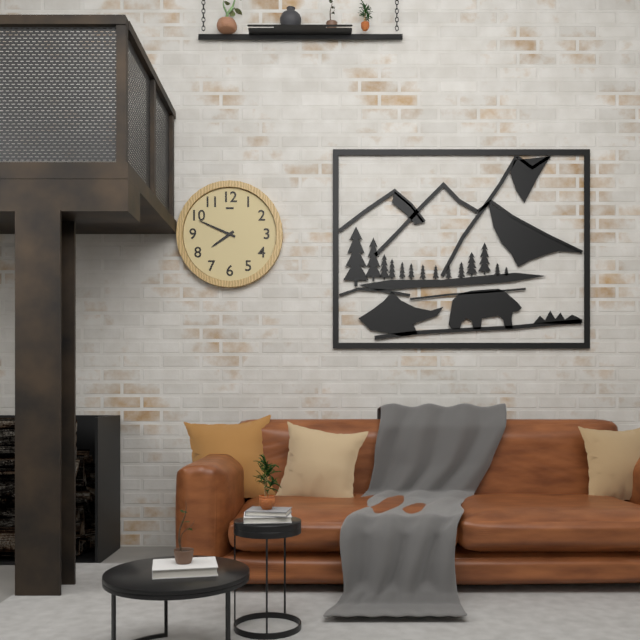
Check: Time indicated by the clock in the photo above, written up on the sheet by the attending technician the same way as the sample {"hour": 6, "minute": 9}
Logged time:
{"hour": 7, "minute": 49}
